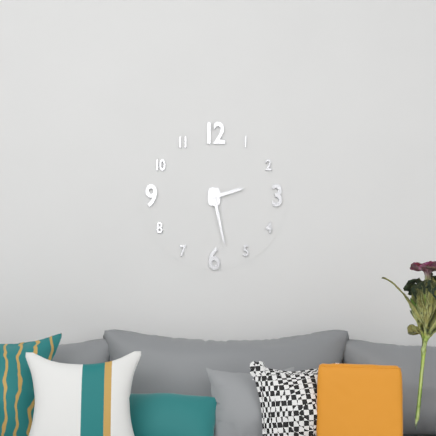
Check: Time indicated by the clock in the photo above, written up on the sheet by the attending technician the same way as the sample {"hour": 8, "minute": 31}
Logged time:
{"hour": 2, "minute": 28}
